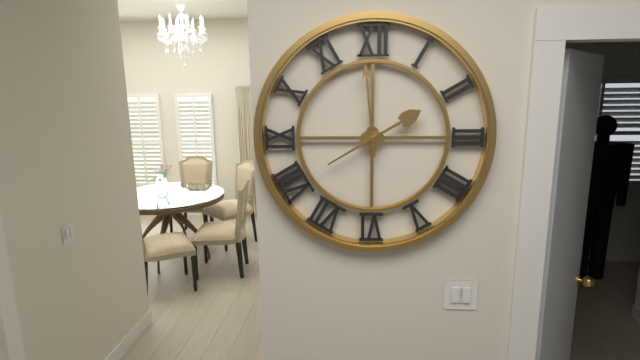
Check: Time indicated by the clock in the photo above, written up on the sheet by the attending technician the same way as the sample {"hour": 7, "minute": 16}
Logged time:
{"hour": 1, "minute": 59}
